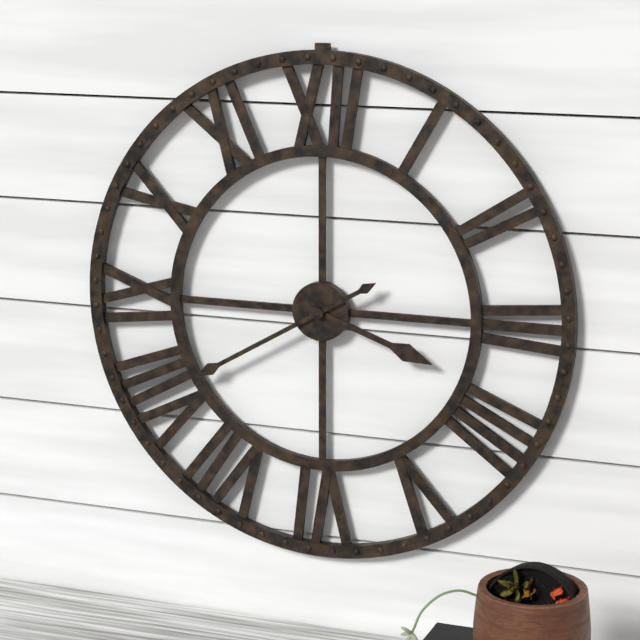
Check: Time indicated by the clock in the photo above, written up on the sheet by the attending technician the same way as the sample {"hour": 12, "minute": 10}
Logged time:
{"hour": 3, "minute": 40}
